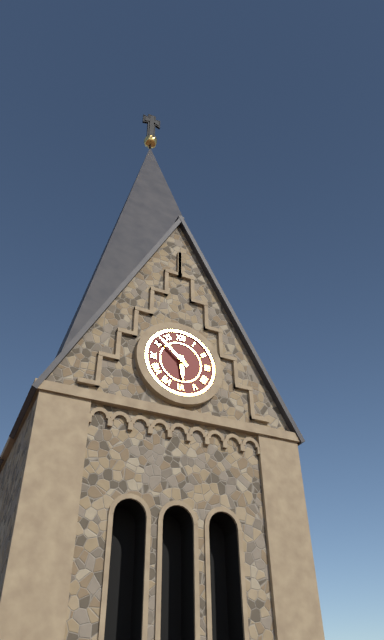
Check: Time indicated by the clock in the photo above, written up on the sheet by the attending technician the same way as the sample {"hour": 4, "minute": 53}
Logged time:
{"hour": 5, "minute": 52}
